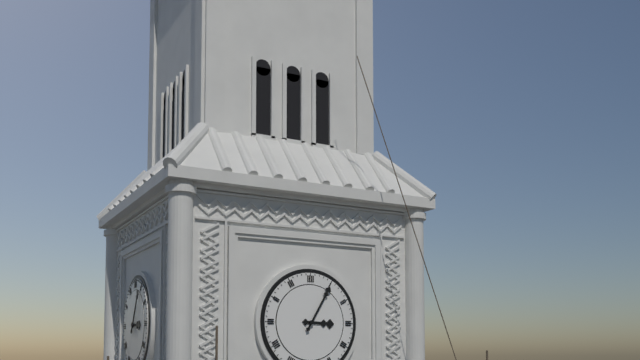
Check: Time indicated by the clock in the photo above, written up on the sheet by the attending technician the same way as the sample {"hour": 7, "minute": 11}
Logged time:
{"hour": 3, "minute": 5}
